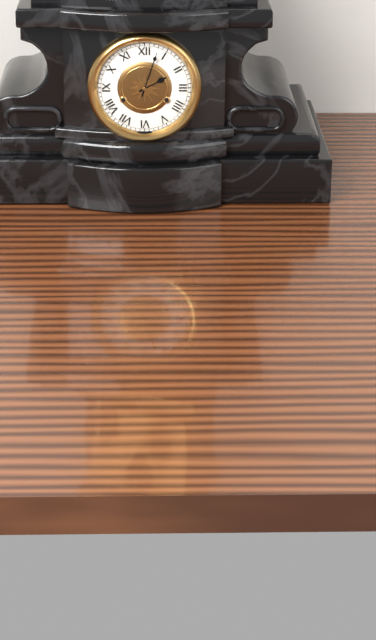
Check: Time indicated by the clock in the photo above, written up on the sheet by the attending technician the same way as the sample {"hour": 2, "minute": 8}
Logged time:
{"hour": 2, "minute": 3}
